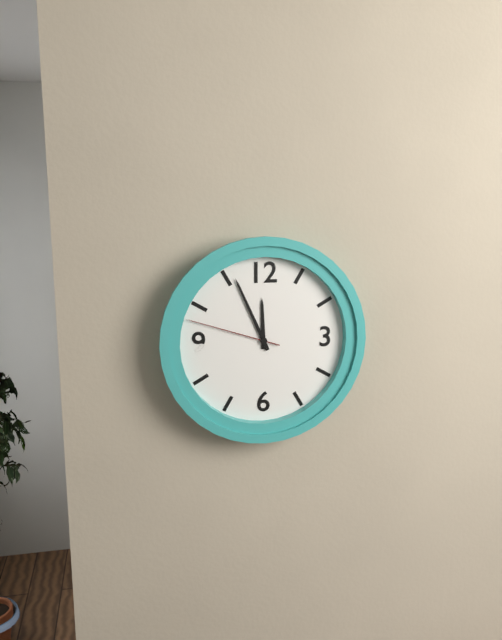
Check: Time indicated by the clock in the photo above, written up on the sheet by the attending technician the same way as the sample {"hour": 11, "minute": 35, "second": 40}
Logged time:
{"hour": 11, "minute": 56, "second": 48}
